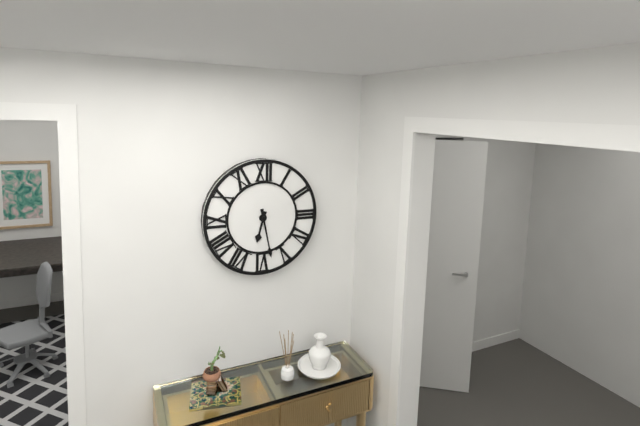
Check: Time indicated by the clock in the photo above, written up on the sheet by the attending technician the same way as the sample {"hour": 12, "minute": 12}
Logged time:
{"hour": 6, "minute": 28}
